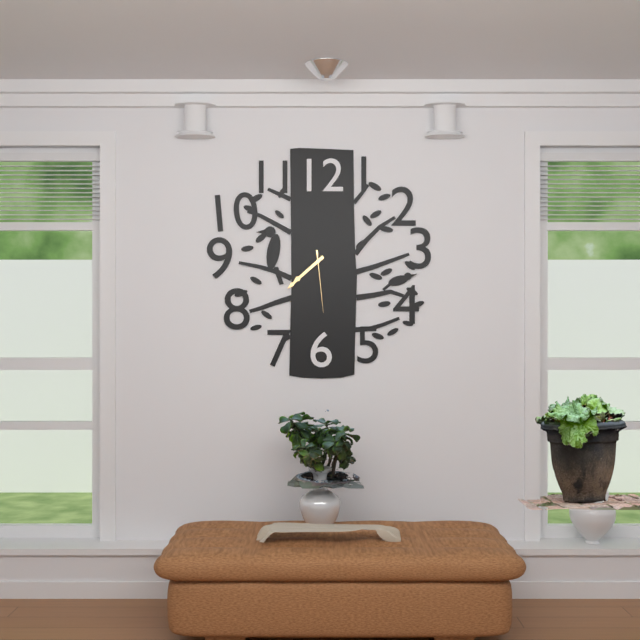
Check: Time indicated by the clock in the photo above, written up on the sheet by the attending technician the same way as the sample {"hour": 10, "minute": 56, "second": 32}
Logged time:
{"hour": 7, "minute": 38, "second": 29}
